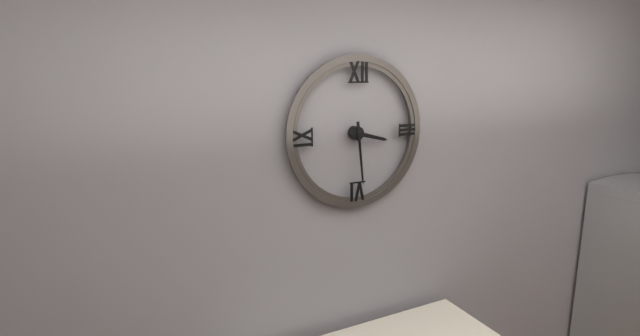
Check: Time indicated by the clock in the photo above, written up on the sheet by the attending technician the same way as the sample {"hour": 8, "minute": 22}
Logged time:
{"hour": 3, "minute": 29}
